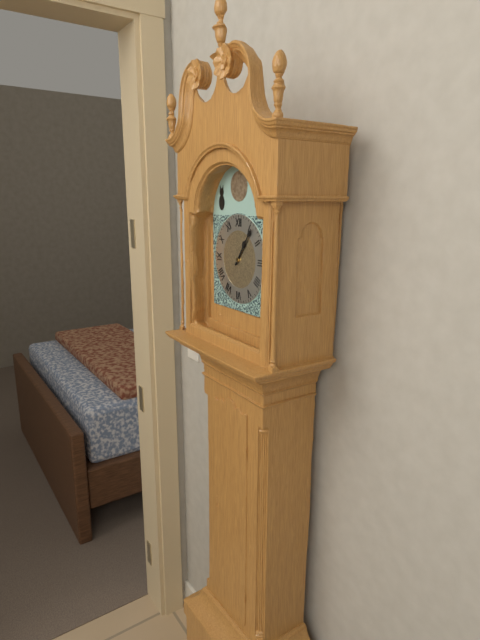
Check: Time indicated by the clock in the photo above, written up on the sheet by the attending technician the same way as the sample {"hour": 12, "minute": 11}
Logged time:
{"hour": 1, "minute": 6}
